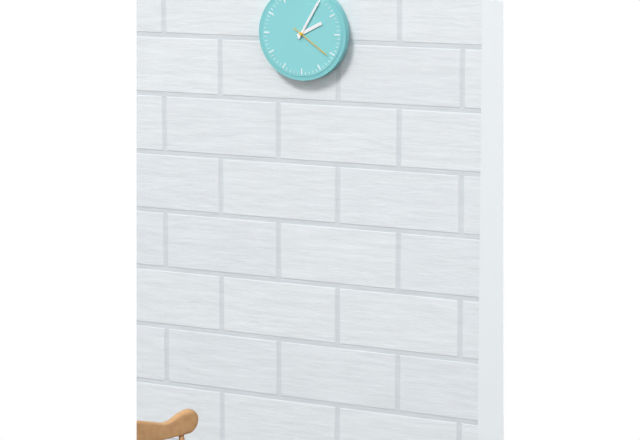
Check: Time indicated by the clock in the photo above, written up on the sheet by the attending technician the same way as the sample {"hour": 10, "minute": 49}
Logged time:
{"hour": 2, "minute": 5}
